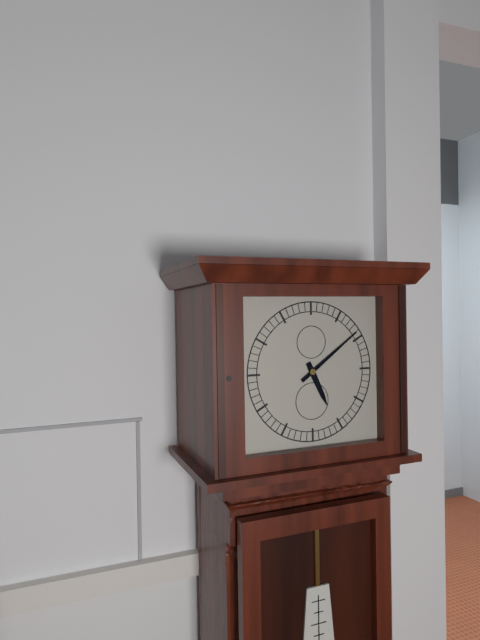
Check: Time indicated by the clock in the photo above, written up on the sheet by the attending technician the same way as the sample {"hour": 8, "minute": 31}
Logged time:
{"hour": 5, "minute": 9}
